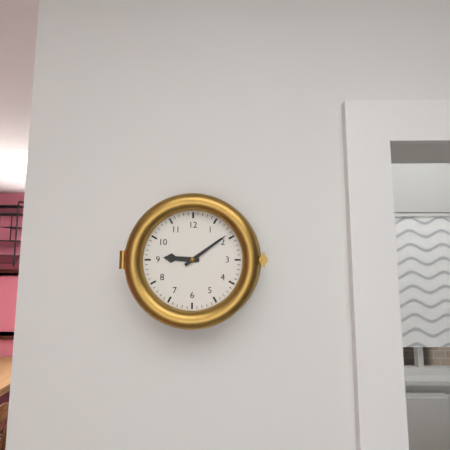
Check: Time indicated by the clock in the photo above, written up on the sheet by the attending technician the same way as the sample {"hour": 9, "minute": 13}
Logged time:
{"hour": 9, "minute": 9}
